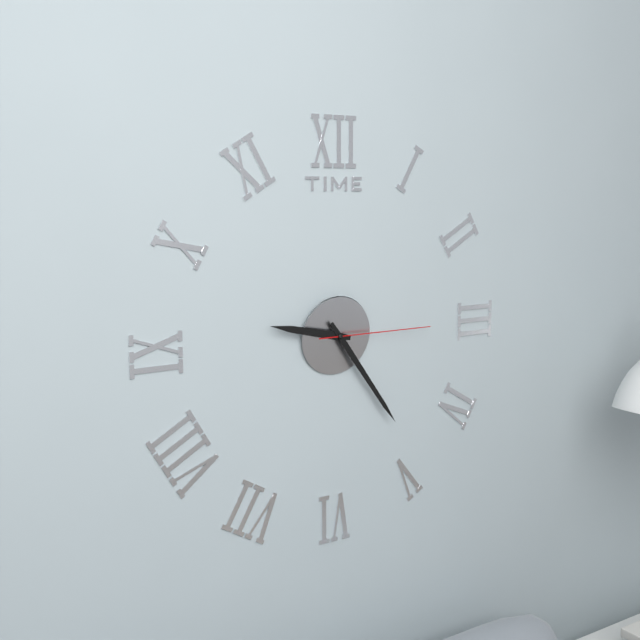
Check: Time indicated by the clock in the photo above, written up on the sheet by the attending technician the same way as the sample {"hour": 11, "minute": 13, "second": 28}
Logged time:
{"hour": 9, "minute": 24, "second": 15}
